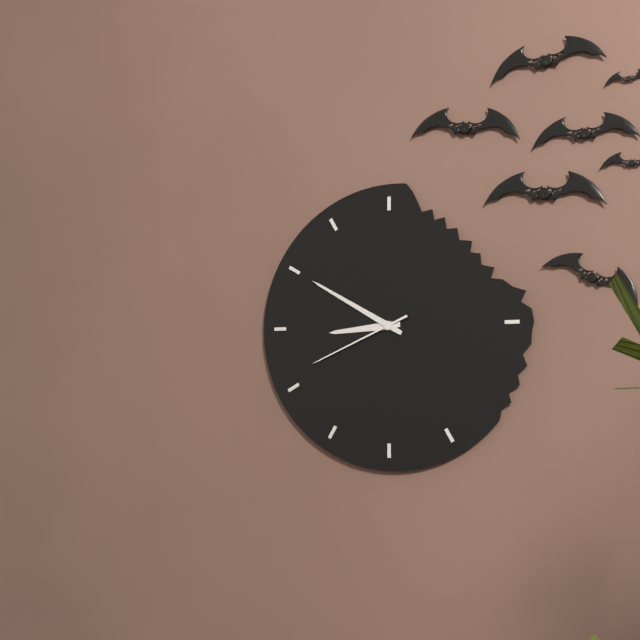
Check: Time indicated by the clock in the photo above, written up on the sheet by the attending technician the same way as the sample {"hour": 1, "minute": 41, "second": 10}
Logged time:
{"hour": 8, "minute": 50, "second": 41}
